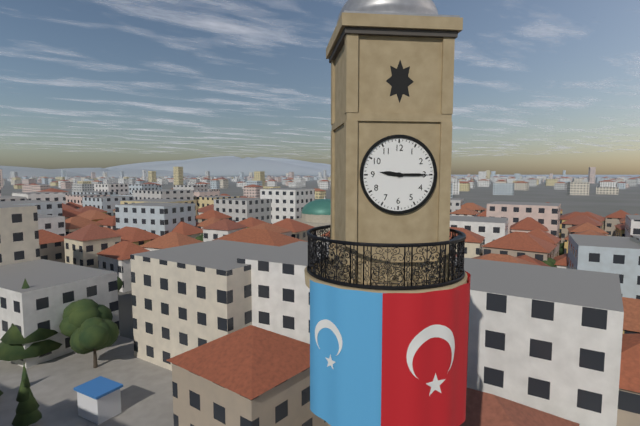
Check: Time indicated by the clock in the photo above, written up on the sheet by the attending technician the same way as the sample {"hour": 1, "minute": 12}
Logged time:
{"hour": 9, "minute": 15}
